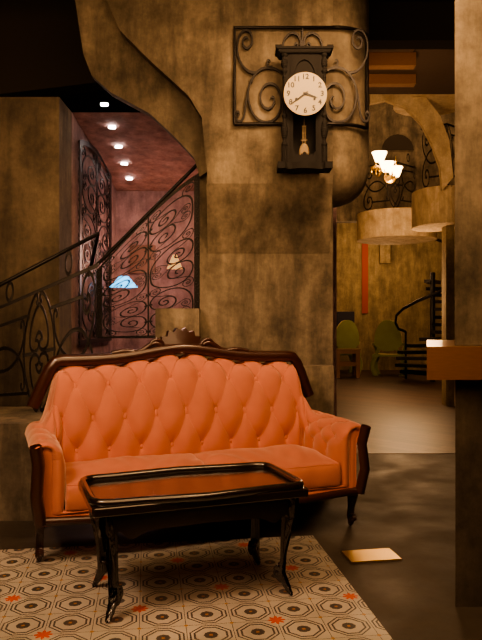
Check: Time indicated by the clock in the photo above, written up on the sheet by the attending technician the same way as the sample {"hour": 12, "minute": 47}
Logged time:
{"hour": 3, "minute": 39}
